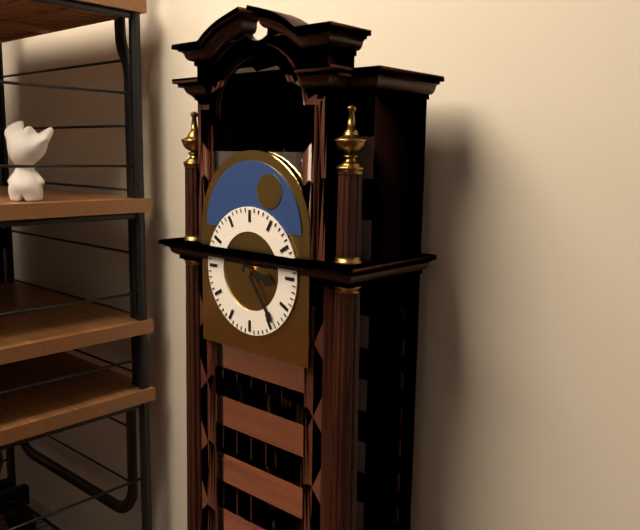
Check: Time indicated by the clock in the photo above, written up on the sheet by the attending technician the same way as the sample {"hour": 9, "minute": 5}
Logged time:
{"hour": 3, "minute": 24}
